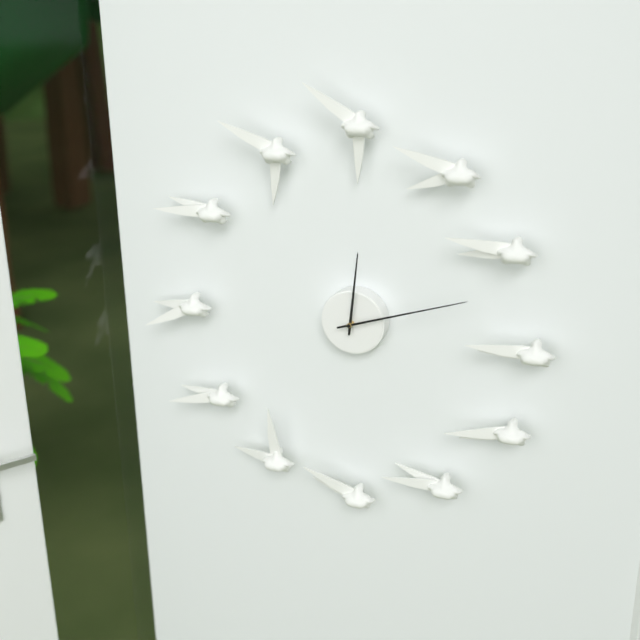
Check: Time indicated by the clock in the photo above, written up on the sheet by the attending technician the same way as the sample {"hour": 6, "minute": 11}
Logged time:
{"hour": 12, "minute": 12}
